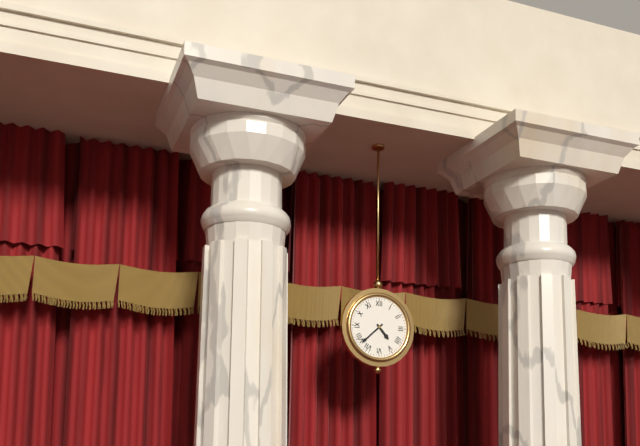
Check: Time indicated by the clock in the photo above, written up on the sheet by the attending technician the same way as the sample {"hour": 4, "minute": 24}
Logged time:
{"hour": 4, "minute": 38}
